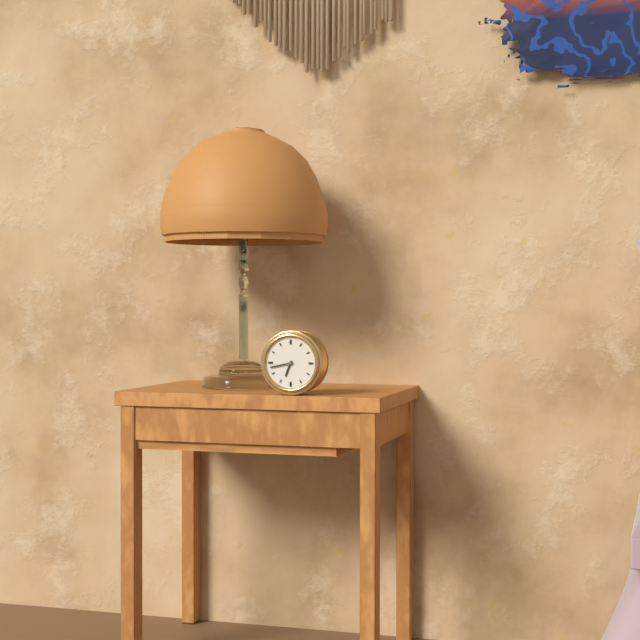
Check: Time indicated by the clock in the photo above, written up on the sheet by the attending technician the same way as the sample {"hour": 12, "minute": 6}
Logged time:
{"hour": 6, "minute": 43}
